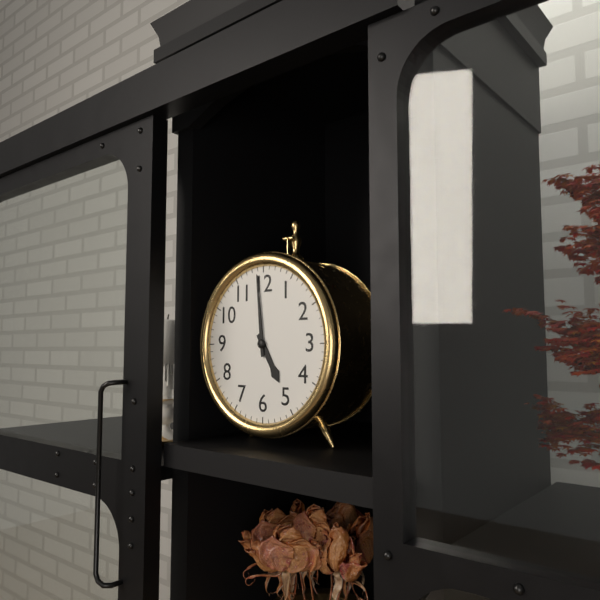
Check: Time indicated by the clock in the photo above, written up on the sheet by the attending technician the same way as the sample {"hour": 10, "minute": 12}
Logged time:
{"hour": 4, "minute": 59}
